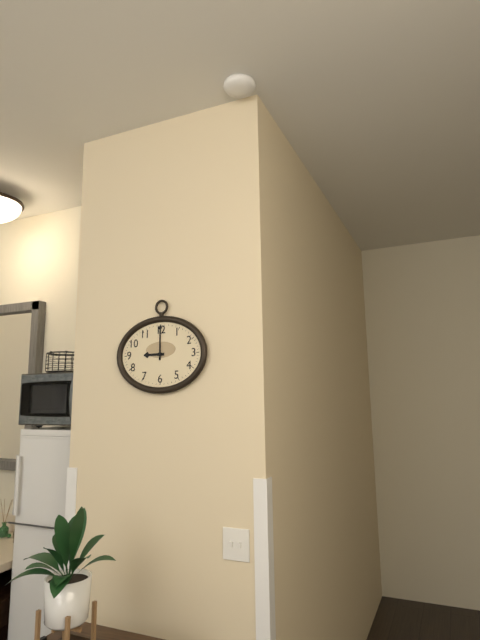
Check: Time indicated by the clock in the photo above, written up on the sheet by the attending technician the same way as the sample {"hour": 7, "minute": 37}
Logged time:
{"hour": 9, "minute": 0}
